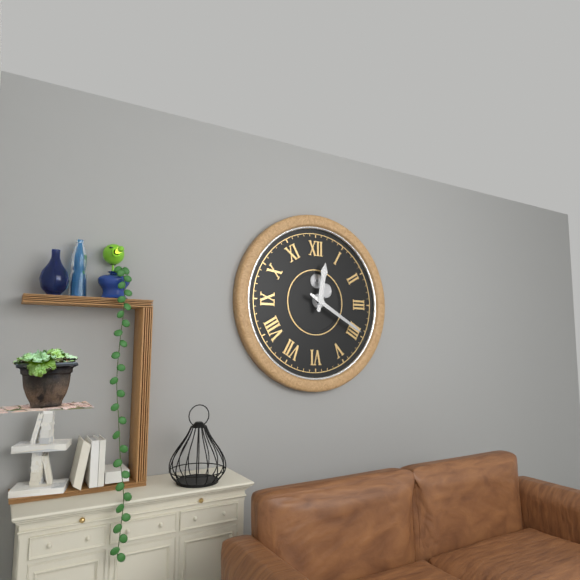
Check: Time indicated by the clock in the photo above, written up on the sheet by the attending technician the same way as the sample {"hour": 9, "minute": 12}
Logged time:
{"hour": 12, "minute": 20}
